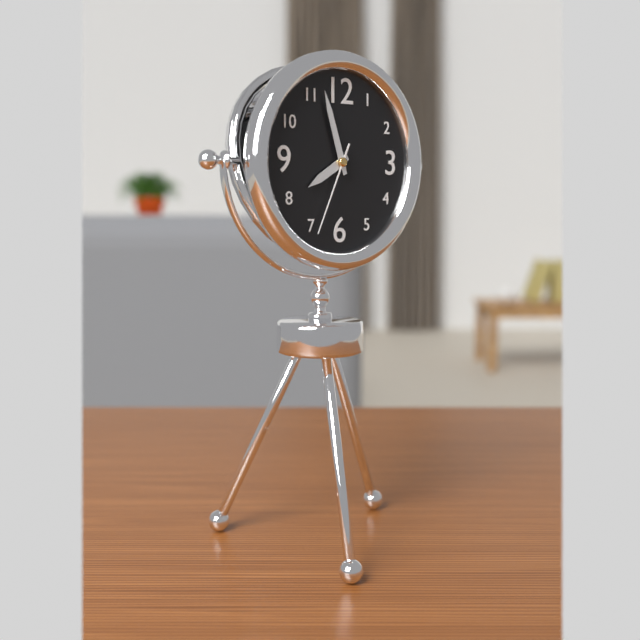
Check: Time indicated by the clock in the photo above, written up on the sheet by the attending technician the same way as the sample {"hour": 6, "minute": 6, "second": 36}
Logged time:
{"hour": 7, "minute": 57, "second": 34}
